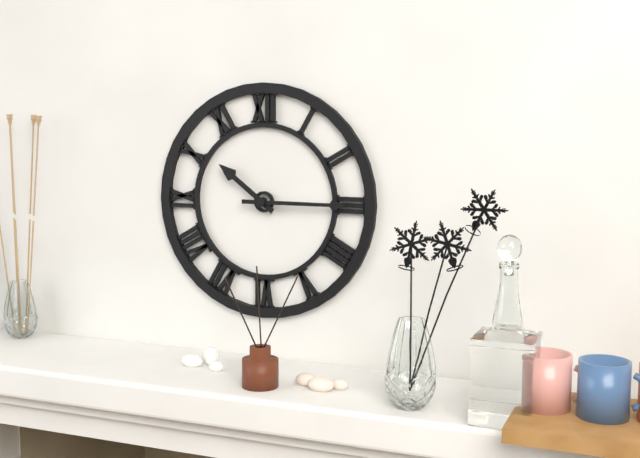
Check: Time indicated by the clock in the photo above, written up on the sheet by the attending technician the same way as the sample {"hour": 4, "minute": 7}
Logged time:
{"hour": 10, "minute": 15}
